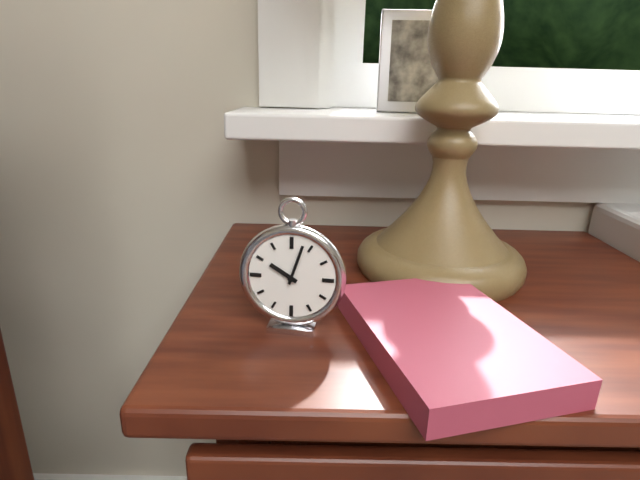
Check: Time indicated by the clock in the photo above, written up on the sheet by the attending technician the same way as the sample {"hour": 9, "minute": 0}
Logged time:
{"hour": 10, "minute": 3}
